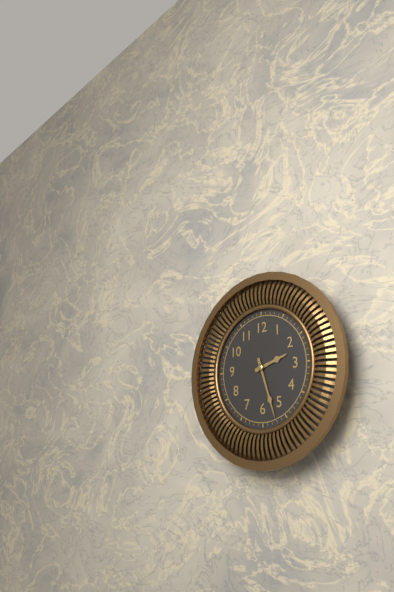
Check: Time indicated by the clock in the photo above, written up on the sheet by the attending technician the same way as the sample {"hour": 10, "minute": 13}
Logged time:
{"hour": 2, "minute": 27}
